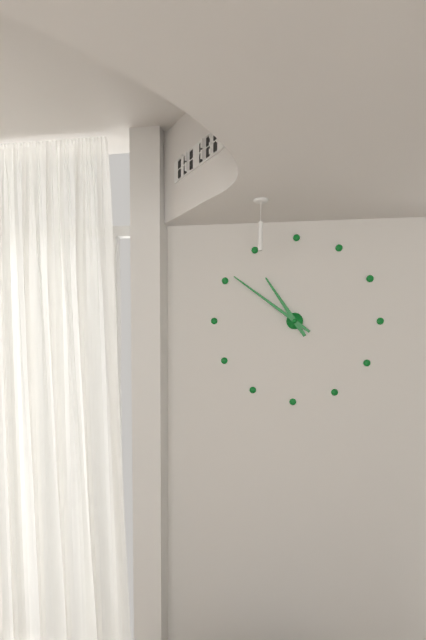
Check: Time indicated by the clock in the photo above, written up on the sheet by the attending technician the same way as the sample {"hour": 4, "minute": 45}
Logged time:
{"hour": 10, "minute": 51}
